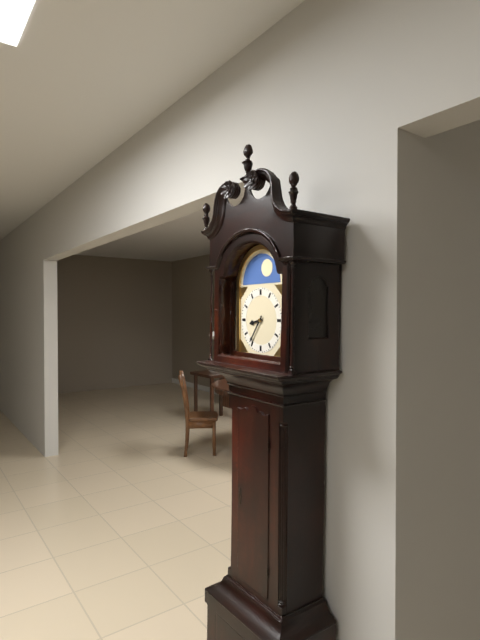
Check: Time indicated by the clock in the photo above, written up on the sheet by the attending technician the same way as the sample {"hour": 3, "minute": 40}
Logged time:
{"hour": 8, "minute": 36}
